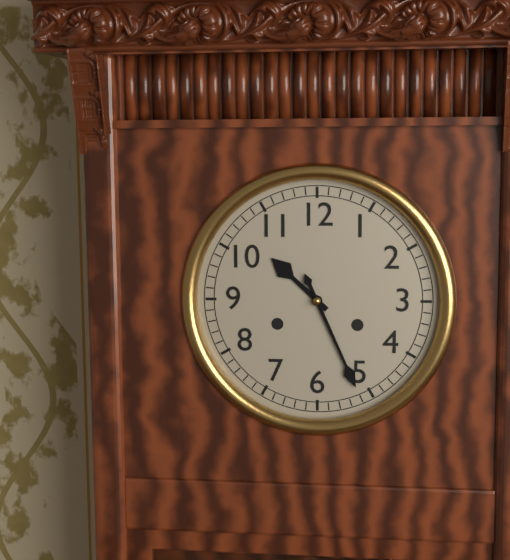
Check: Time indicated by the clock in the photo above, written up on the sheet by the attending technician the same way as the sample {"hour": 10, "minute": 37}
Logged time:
{"hour": 10, "minute": 26}
